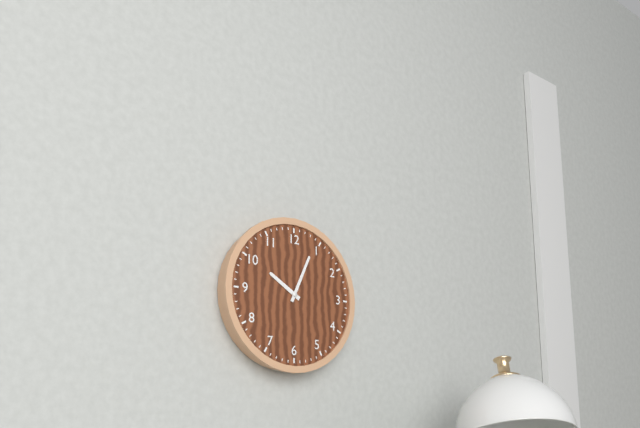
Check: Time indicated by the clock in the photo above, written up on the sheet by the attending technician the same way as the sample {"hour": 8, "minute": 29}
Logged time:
{"hour": 10, "minute": 4}
